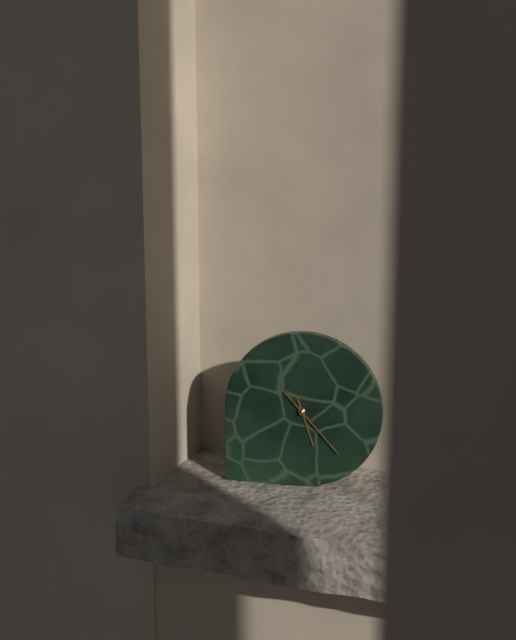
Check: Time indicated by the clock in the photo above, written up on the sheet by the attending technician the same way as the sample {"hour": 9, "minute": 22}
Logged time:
{"hour": 5, "minute": 23}
